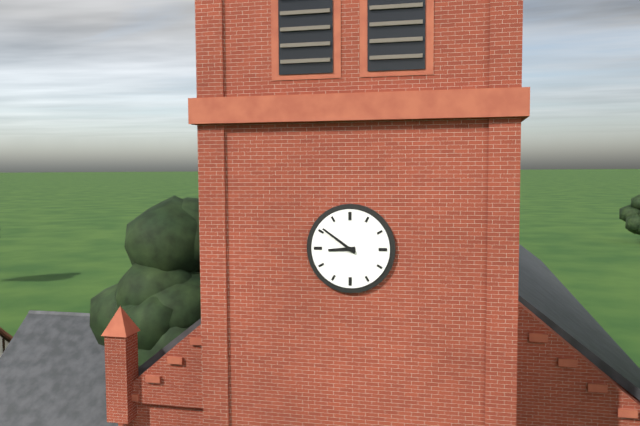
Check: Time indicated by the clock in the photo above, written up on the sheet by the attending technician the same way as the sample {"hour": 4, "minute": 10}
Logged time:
{"hour": 8, "minute": 51}
